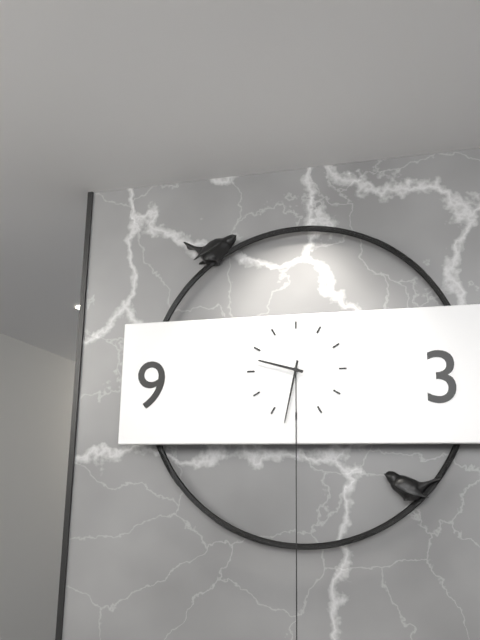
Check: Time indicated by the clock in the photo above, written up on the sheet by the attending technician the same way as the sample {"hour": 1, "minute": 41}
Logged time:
{"hour": 9, "minute": 32}
